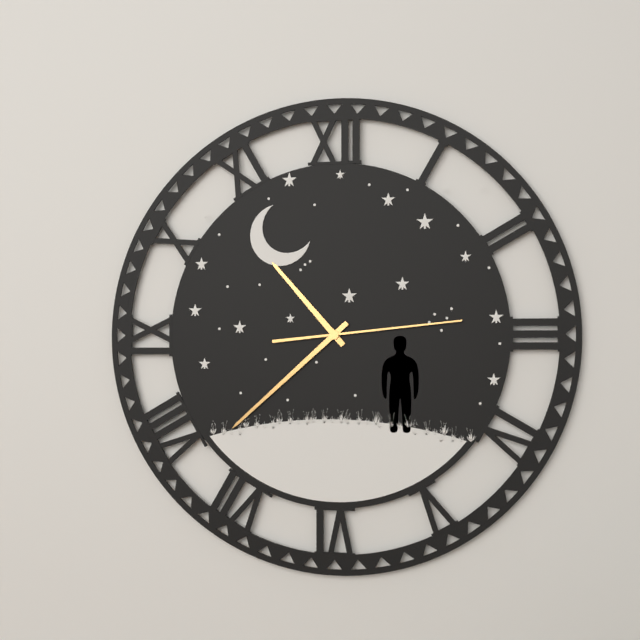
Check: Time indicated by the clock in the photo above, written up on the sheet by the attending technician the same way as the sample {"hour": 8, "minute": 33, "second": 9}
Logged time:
{"hour": 10, "minute": 38, "second": 14}
